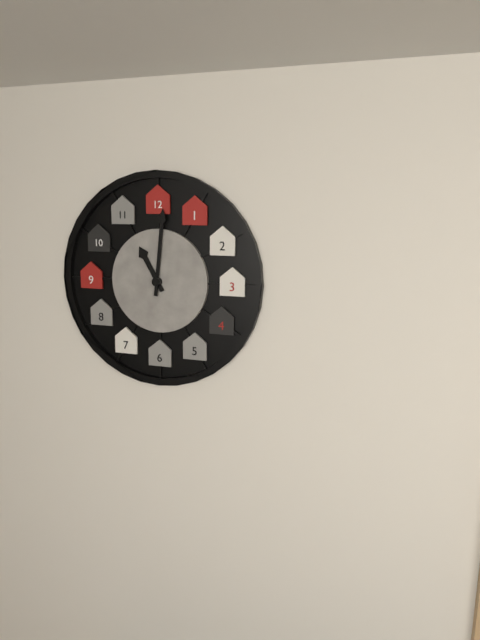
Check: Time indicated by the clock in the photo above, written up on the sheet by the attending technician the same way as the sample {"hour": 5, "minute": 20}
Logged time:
{"hour": 11, "minute": 1}
